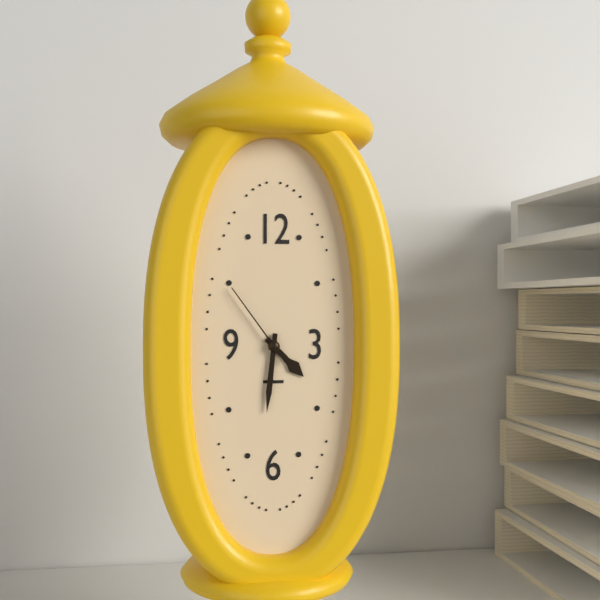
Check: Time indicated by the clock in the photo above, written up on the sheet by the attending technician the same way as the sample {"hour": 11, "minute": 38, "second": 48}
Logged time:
{"hour": 4, "minute": 31, "second": 54}
